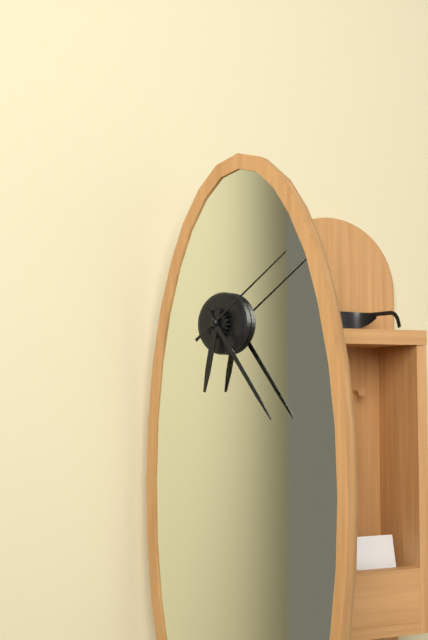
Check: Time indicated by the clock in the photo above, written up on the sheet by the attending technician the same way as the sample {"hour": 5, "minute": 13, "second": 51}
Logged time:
{"hour": 6, "minute": 24, "second": 9}
